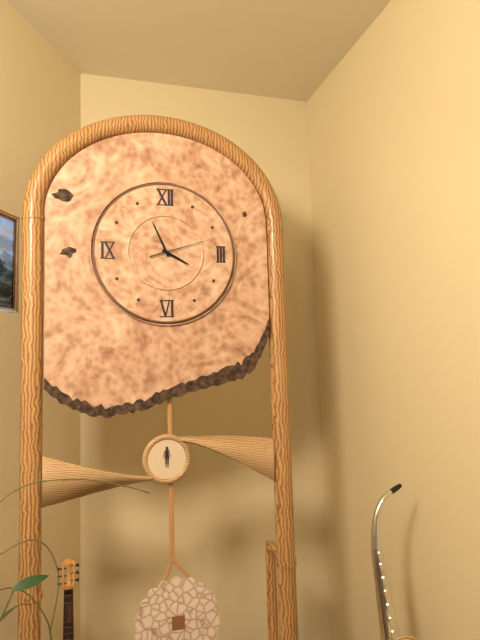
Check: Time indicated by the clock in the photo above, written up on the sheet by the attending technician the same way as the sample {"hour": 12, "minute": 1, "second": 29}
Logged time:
{"hour": 3, "minute": 56, "second": 12}
